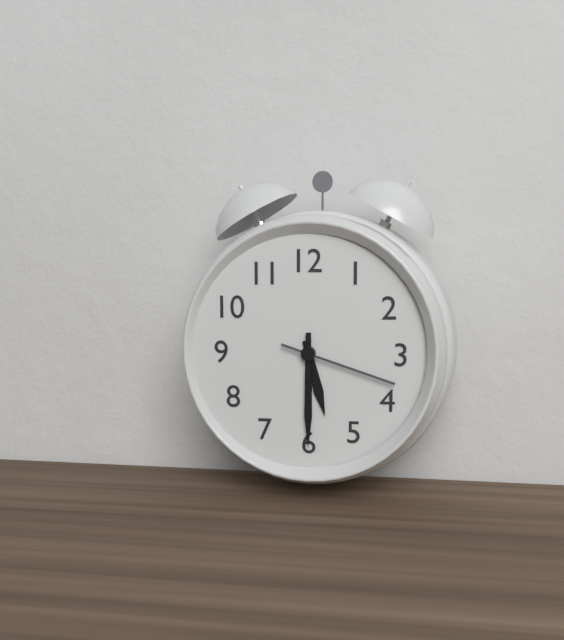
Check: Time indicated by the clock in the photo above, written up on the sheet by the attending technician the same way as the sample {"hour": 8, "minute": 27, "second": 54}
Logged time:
{"hour": 5, "minute": 30, "second": 18}
